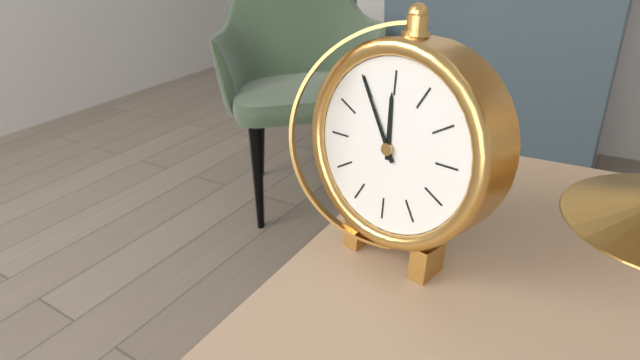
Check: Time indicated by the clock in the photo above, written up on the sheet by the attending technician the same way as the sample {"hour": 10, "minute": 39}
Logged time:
{"hour": 11, "minute": 55}
